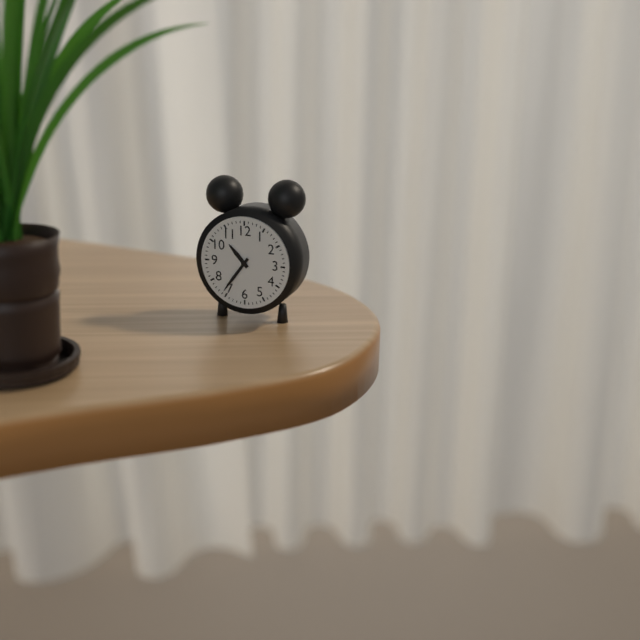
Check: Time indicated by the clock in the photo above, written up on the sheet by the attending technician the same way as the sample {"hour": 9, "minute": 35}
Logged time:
{"hour": 10, "minute": 36}
